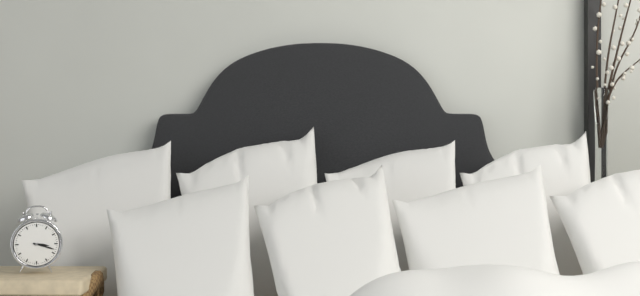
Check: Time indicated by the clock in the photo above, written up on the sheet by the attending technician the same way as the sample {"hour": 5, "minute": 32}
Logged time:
{"hour": 3, "minute": 18}
